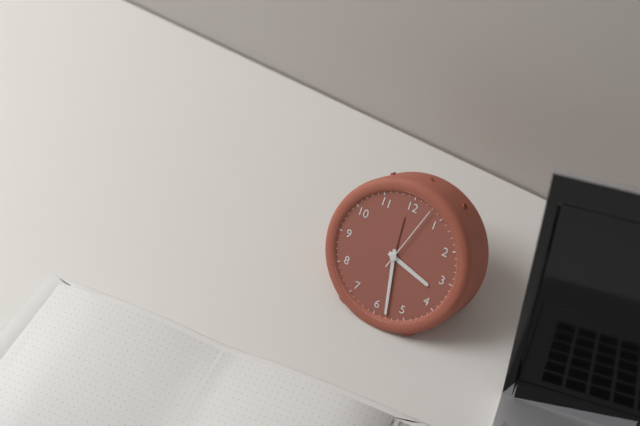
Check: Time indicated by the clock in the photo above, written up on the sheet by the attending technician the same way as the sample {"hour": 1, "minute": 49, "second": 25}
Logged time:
{"hour": 3, "minute": 28, "second": 3}
